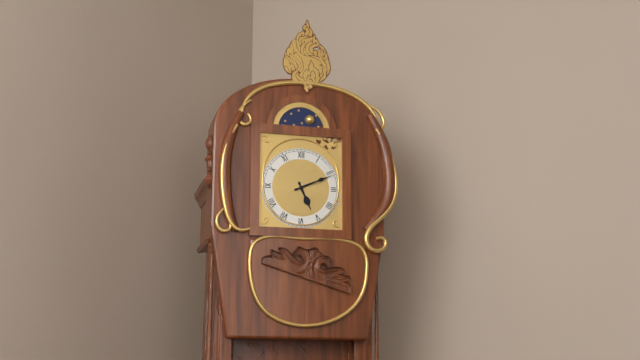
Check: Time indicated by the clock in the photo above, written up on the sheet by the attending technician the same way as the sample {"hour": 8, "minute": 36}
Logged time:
{"hour": 5, "minute": 11}
